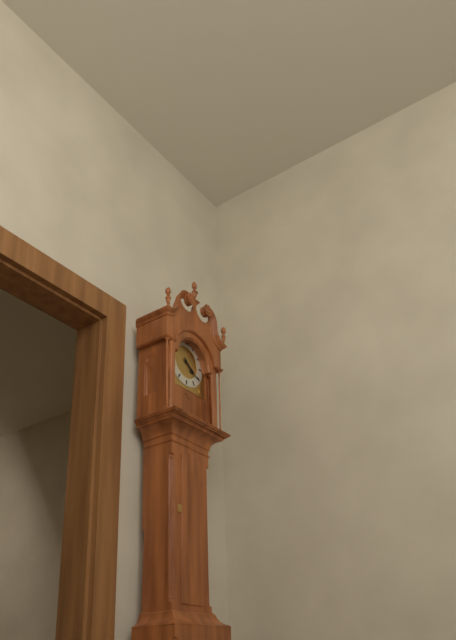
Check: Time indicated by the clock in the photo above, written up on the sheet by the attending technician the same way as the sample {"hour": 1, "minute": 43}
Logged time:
{"hour": 4, "minute": 21}
